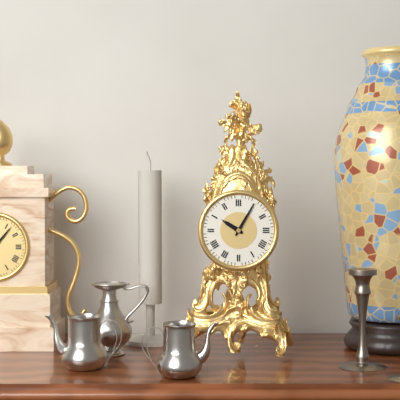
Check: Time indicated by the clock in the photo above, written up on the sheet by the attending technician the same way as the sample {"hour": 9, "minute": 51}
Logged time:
{"hour": 10, "minute": 5}
